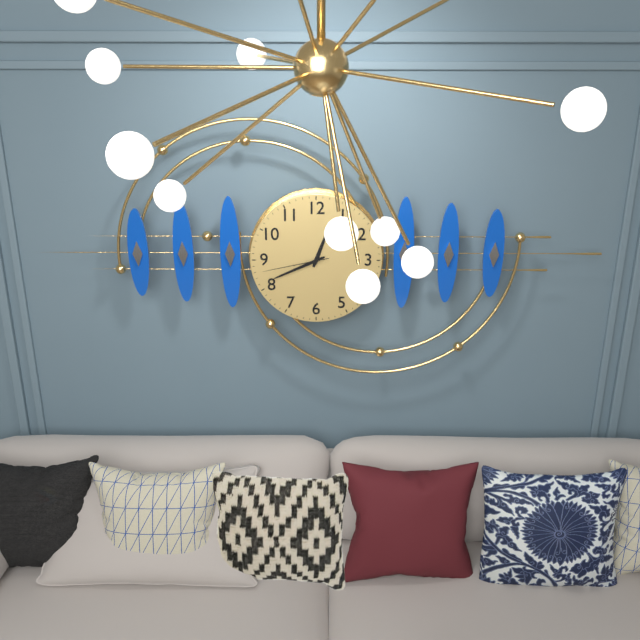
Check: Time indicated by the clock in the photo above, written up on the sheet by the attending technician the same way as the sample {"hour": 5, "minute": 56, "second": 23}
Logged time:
{"hour": 12, "minute": 41, "second": 43}
